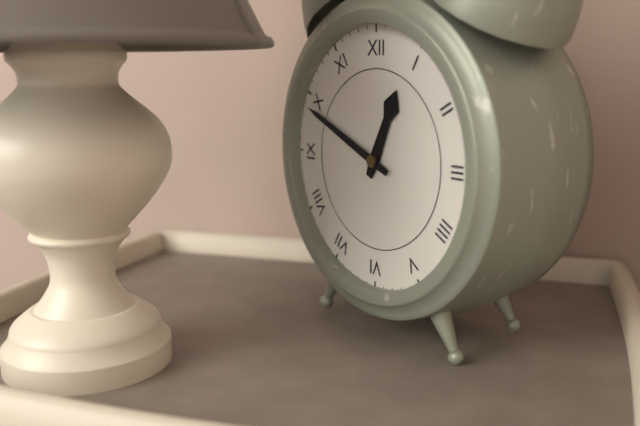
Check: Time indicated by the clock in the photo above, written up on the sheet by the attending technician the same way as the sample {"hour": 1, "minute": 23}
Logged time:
{"hour": 12, "minute": 49}
